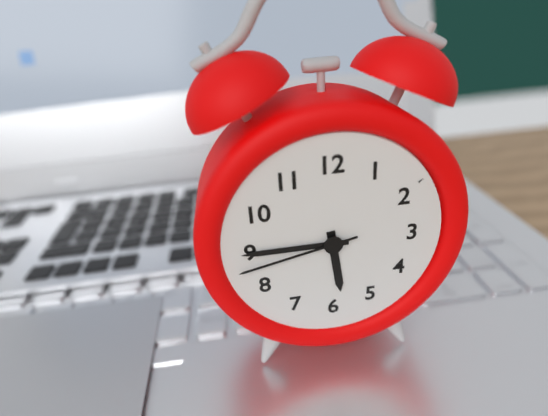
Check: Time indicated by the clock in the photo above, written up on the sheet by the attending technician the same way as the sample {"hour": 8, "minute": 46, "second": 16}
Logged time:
{"hour": 5, "minute": 45, "second": 43}
